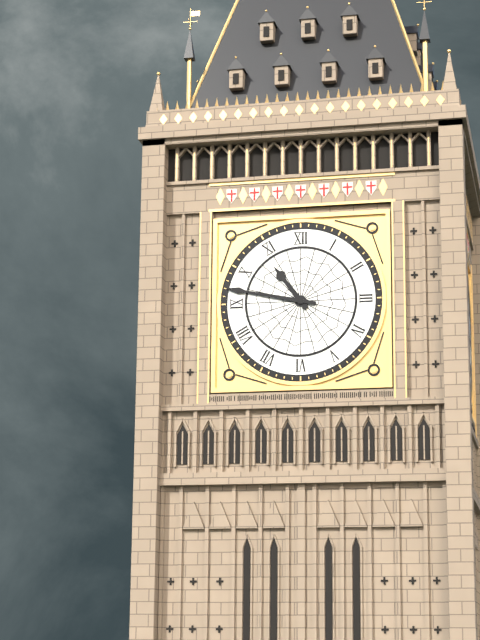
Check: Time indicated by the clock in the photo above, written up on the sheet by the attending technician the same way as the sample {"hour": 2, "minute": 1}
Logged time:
{"hour": 10, "minute": 47}
